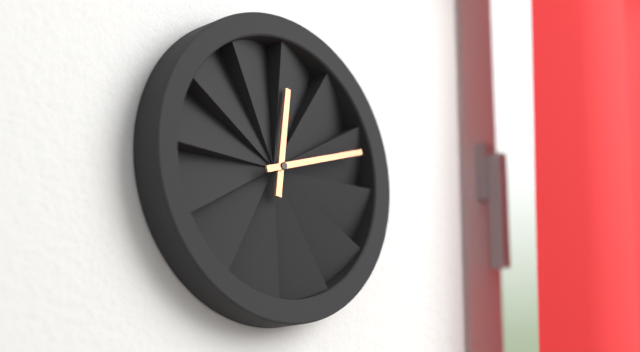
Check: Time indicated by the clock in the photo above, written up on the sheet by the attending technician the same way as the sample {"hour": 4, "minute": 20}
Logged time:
{"hour": 12, "minute": 12}
